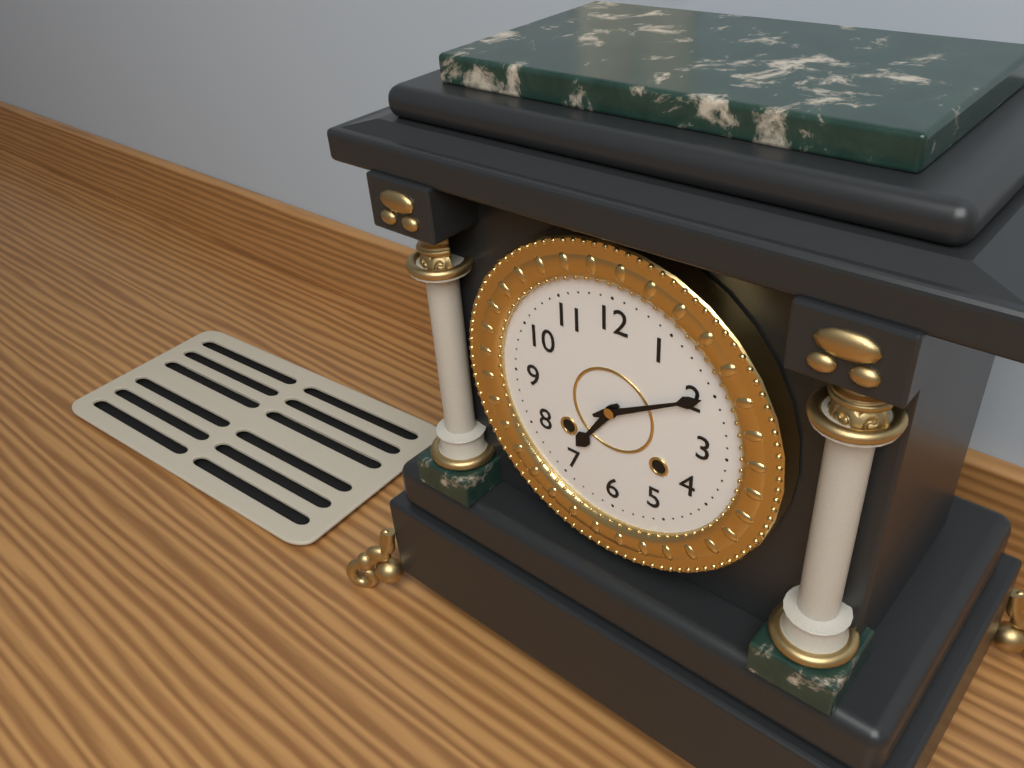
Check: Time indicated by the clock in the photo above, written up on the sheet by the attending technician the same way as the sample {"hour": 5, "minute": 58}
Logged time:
{"hour": 7, "minute": 10}
